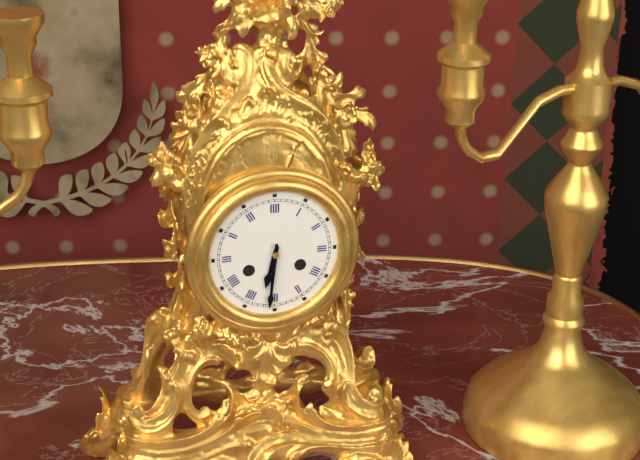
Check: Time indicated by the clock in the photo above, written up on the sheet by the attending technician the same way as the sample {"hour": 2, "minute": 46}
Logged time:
{"hour": 6, "minute": 31}
